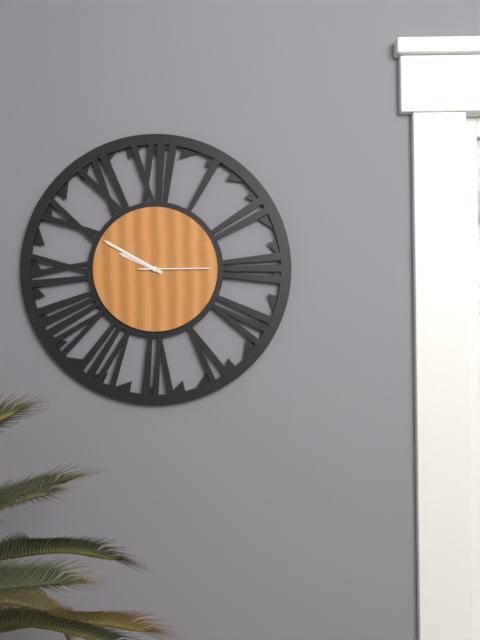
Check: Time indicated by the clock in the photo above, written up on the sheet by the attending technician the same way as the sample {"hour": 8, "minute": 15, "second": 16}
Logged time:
{"hour": 9, "minute": 50, "second": 15}
